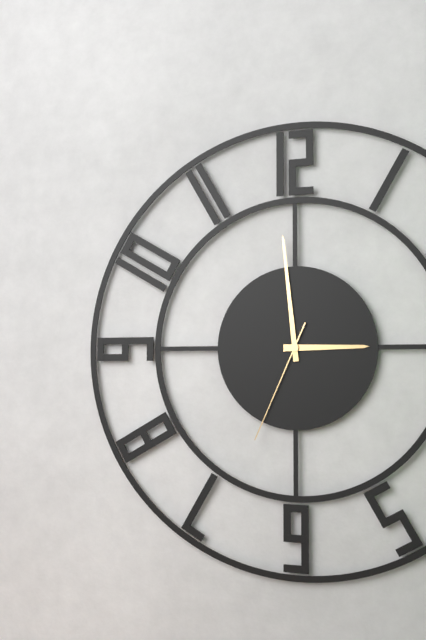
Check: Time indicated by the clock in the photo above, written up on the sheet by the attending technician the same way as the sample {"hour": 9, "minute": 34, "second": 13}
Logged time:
{"hour": 2, "minute": 59, "second": 34}
